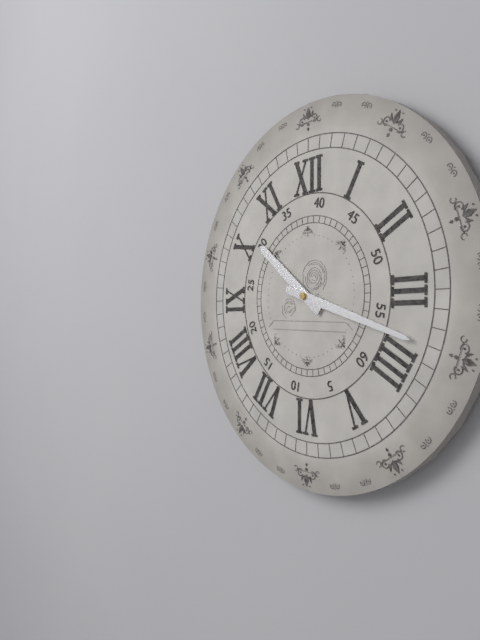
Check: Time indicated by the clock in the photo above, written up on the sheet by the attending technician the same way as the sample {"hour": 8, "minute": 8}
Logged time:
{"hour": 10, "minute": 18}
